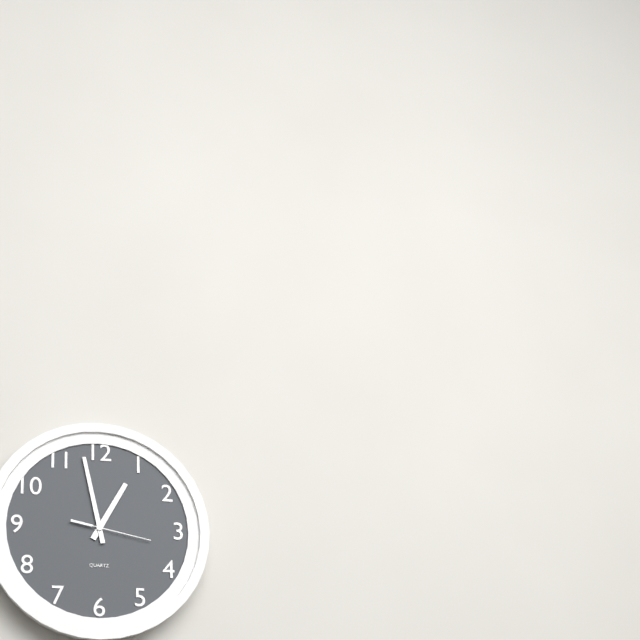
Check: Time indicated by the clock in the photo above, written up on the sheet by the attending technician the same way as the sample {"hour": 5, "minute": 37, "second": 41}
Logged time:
{"hour": 12, "minute": 58, "second": 17}
